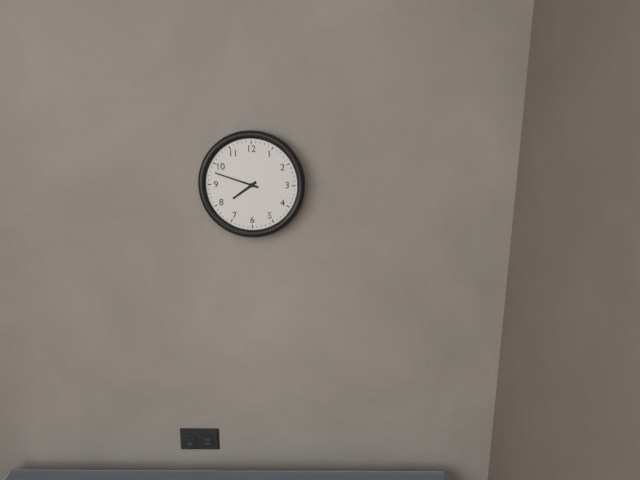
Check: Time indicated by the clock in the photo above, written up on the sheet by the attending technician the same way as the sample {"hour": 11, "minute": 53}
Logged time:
{"hour": 7, "minute": 48}
